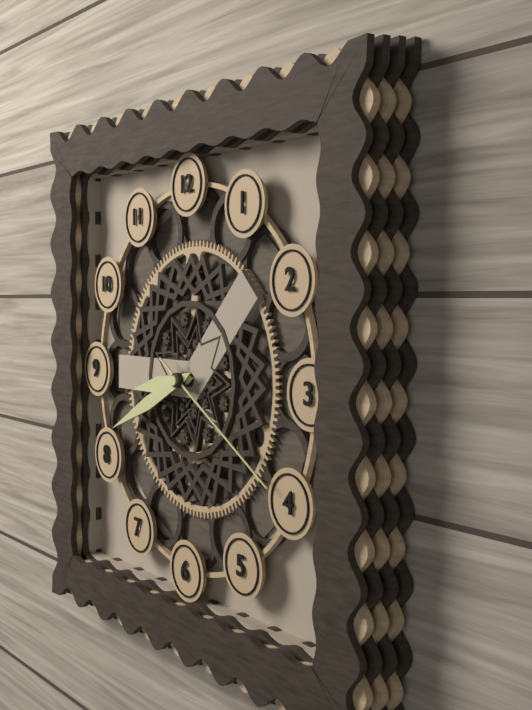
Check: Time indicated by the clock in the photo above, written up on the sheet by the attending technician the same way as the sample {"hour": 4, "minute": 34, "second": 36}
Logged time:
{"hour": 8, "minute": 41, "second": 20}
